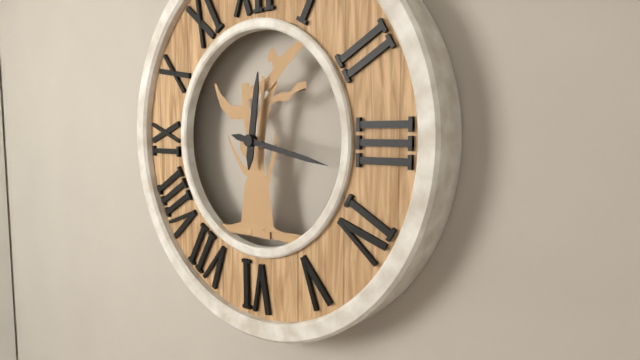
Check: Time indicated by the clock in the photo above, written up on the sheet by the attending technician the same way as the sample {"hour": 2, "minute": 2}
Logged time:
{"hour": 12, "minute": 17}
